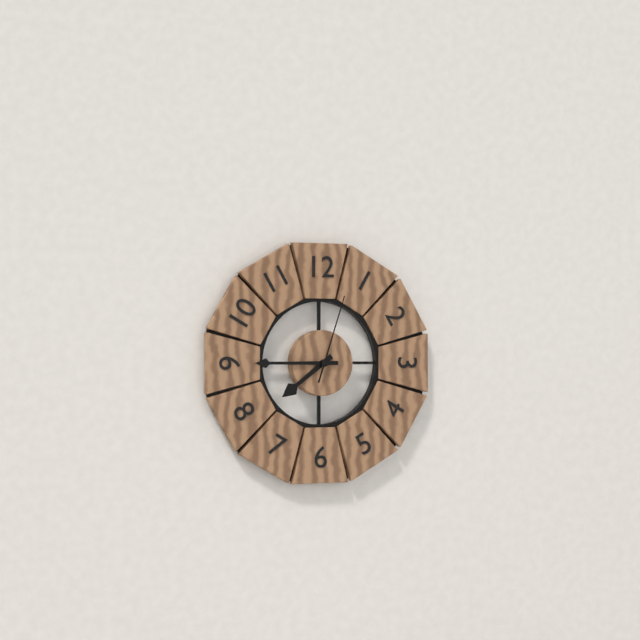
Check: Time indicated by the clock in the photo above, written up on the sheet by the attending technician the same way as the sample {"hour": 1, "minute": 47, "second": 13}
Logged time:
{"hour": 7, "minute": 45, "second": 3}
